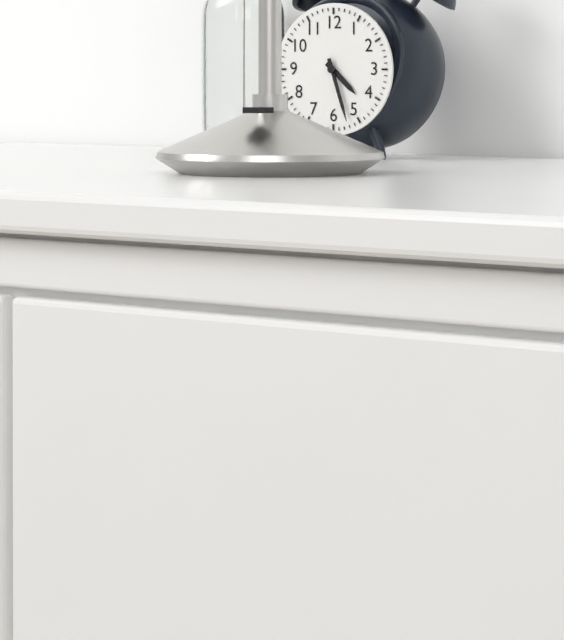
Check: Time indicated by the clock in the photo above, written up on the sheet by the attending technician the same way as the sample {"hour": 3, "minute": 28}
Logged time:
{"hour": 4, "minute": 27}
